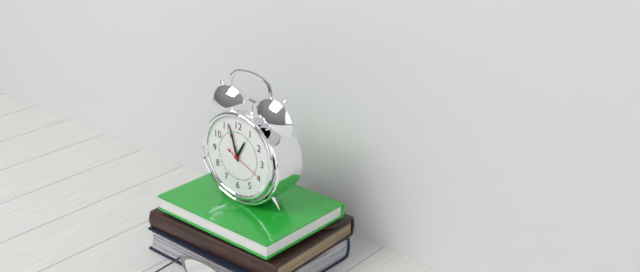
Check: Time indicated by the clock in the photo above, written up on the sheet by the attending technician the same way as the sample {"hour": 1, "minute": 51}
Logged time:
{"hour": 12, "minute": 57}
